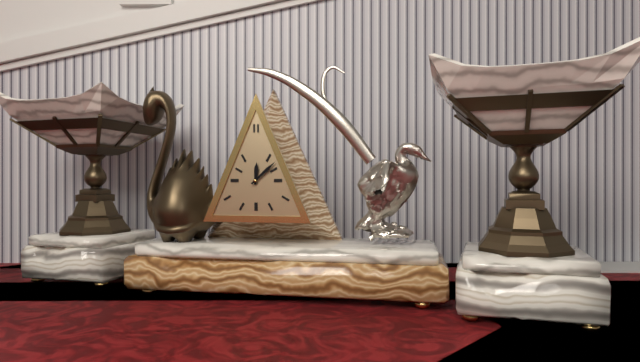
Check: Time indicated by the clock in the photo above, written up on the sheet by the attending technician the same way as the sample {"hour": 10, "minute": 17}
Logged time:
{"hour": 12, "minute": 8}
